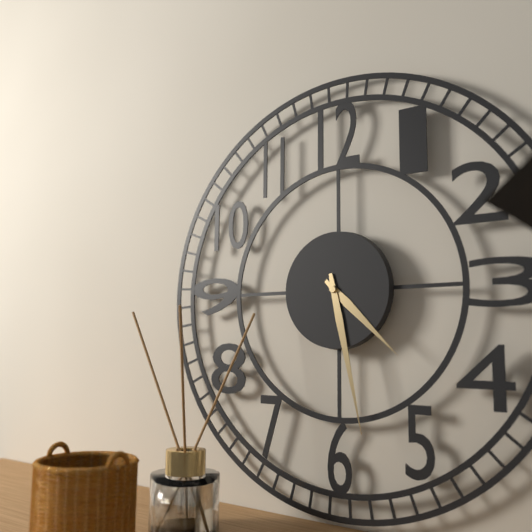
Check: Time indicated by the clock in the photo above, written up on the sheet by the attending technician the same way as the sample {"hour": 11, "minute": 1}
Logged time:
{"hour": 4, "minute": 28}
